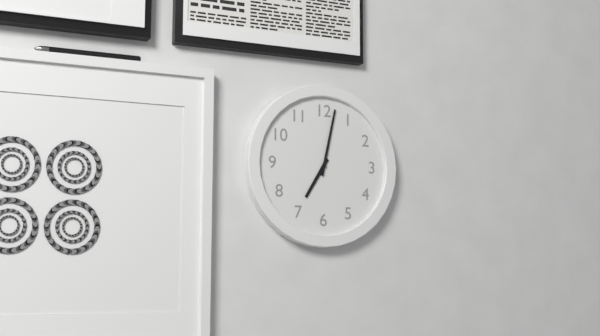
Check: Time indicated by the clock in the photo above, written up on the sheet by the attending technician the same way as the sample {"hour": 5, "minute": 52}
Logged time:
{"hour": 7, "minute": 2}
